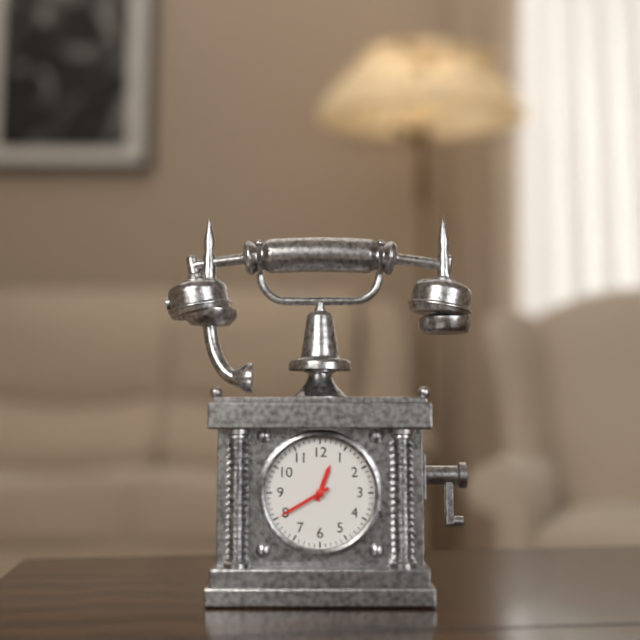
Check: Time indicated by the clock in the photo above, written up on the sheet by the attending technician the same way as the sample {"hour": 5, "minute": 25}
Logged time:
{"hour": 12, "minute": 40}
